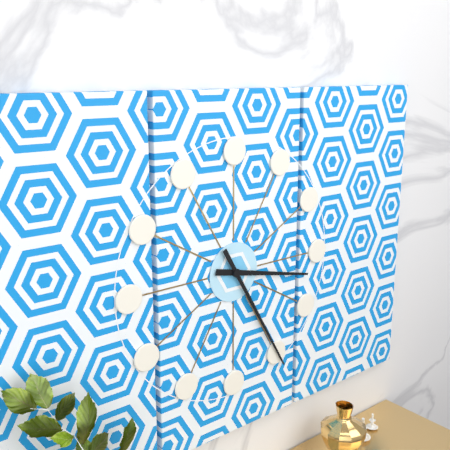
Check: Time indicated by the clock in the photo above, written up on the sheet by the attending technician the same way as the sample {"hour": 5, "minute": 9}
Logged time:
{"hour": 3, "minute": 25}
